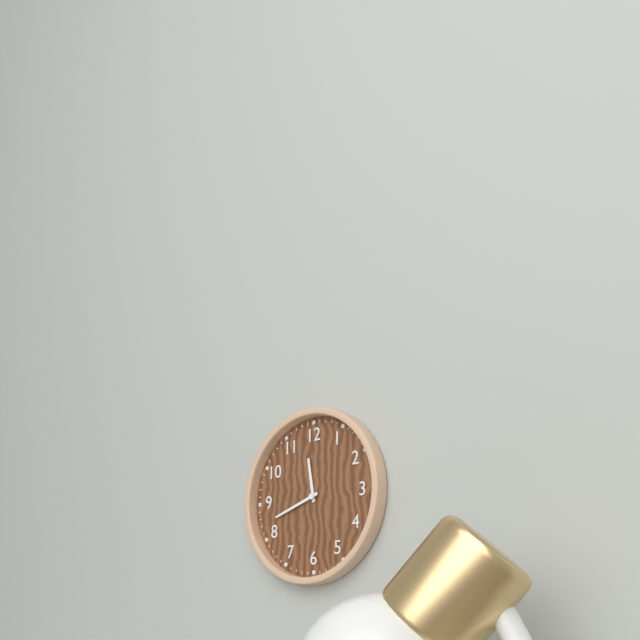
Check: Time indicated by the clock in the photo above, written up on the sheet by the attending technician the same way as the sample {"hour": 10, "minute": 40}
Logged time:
{"hour": 11, "minute": 42}
